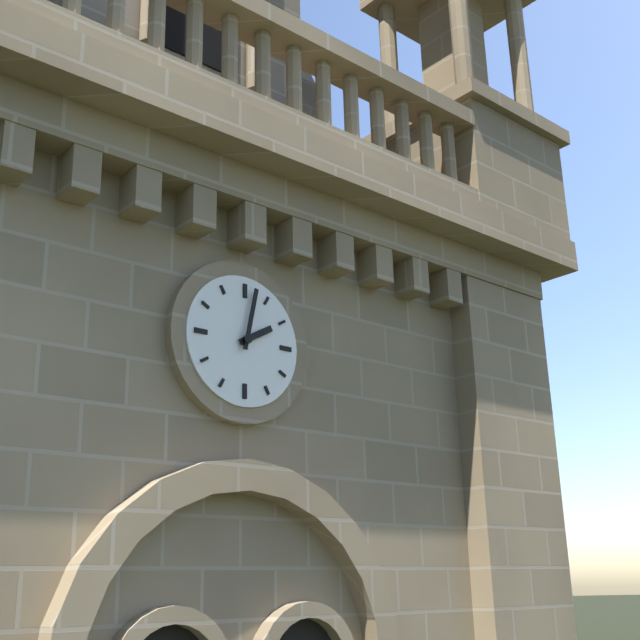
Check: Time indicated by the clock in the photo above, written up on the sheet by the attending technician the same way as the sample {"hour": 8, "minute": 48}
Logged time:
{"hour": 2, "minute": 2}
